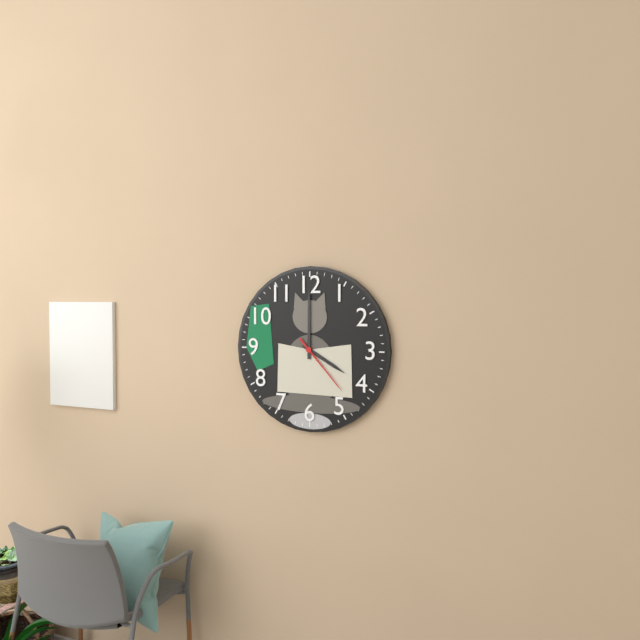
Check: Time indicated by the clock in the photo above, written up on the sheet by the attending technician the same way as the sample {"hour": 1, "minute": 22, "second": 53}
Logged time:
{"hour": 4, "minute": 0, "second": 23}
